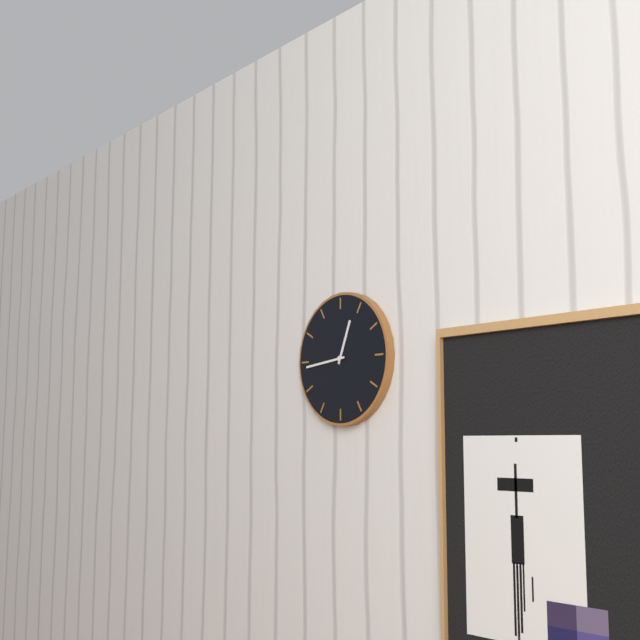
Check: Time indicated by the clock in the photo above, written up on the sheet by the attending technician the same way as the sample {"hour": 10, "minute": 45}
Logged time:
{"hour": 12, "minute": 44}
